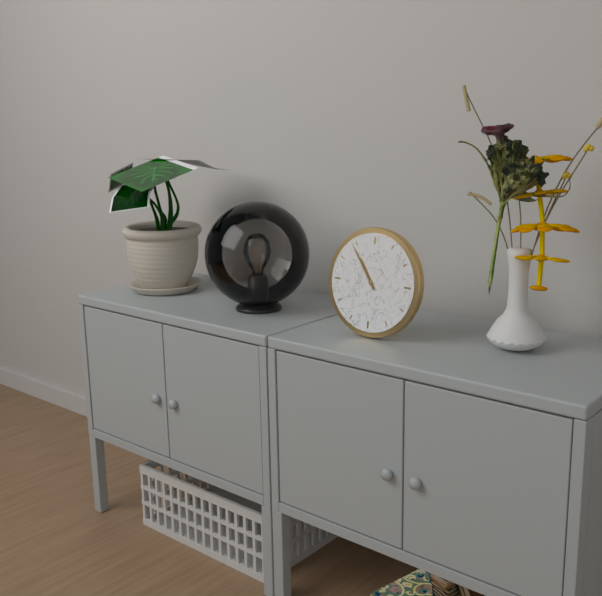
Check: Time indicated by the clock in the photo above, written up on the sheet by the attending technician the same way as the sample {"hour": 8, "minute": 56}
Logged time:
{"hour": 10, "minute": 54}
